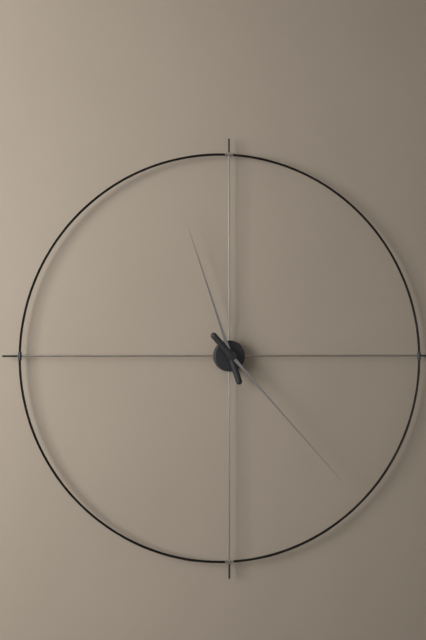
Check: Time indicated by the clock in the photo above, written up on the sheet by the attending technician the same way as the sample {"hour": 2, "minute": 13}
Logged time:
{"hour": 11, "minute": 23}
